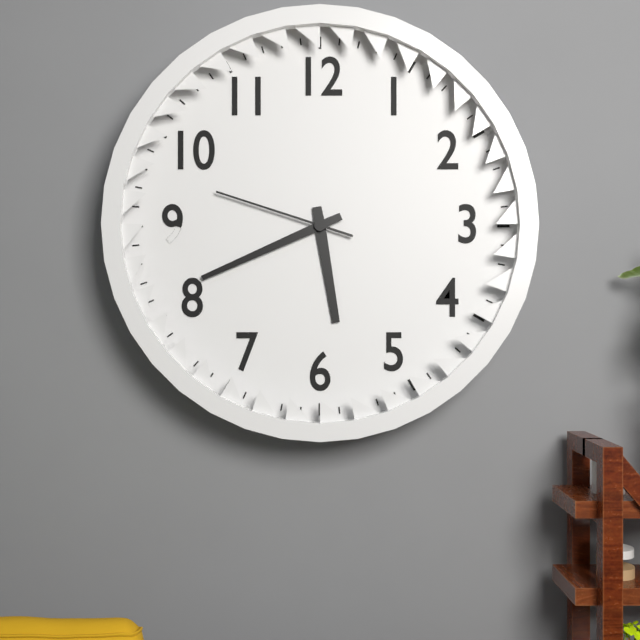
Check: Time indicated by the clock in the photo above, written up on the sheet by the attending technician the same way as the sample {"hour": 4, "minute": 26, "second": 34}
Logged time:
{"hour": 5, "minute": 41, "second": 48}
